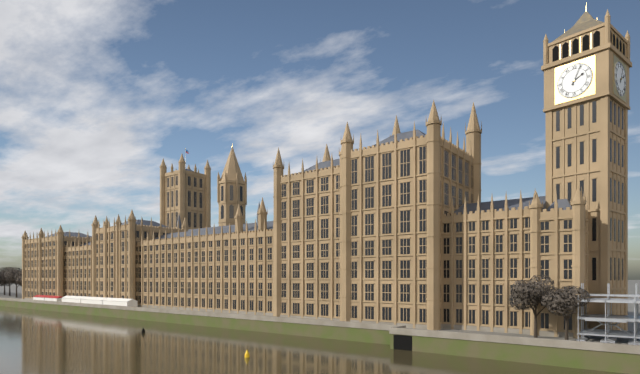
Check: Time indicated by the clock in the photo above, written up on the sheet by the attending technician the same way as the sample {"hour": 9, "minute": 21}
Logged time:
{"hour": 2, "minute": 4}
